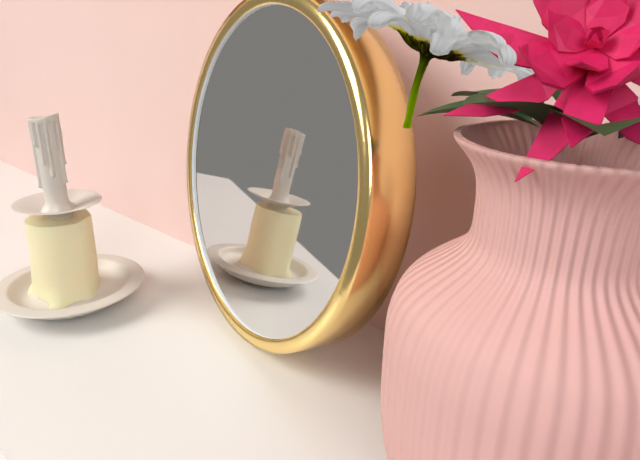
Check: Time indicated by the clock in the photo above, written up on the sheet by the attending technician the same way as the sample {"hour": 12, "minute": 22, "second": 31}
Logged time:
{"hour": 9, "minute": 19, "second": 55}
